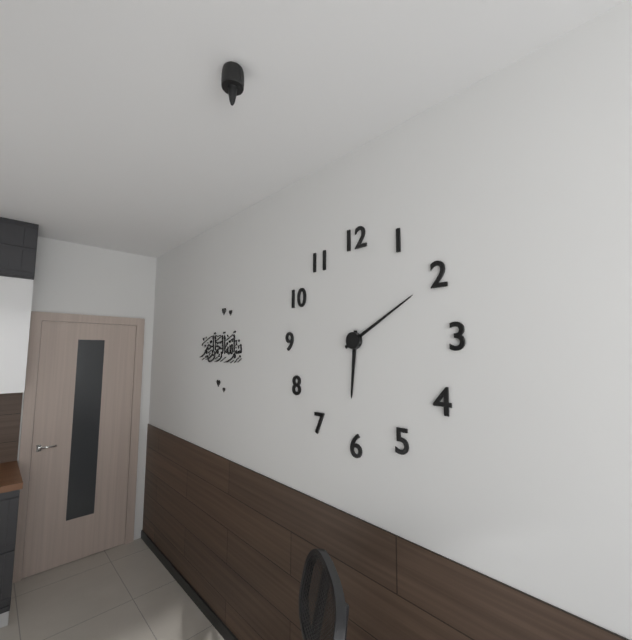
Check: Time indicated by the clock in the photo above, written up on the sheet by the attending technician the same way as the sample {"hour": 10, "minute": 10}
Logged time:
{"hour": 6, "minute": 10}
